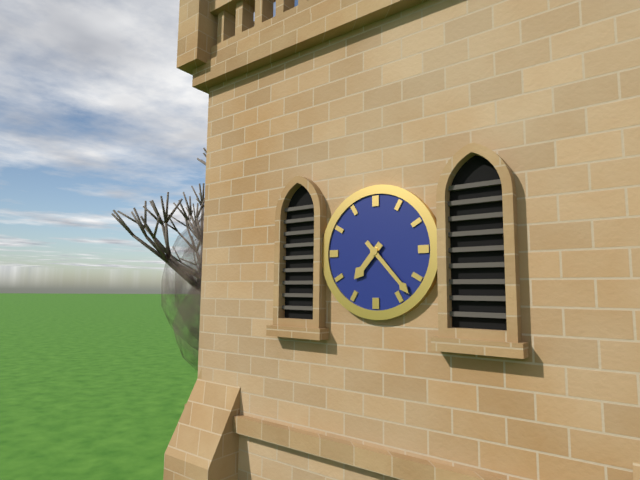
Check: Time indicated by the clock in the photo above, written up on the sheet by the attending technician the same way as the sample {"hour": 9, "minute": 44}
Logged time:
{"hour": 7, "minute": 23}
